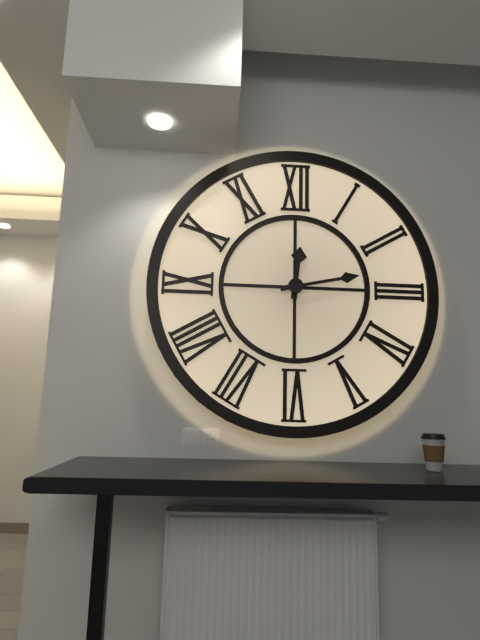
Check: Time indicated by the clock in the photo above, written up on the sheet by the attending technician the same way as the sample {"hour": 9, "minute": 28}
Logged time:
{"hour": 12, "minute": 13}
